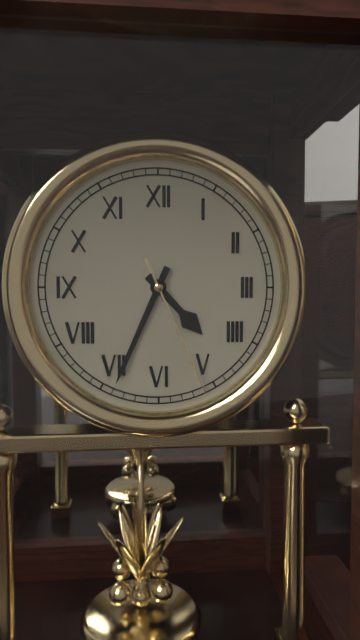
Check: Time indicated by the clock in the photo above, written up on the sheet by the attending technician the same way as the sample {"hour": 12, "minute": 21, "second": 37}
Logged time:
{"hour": 4, "minute": 34, "second": 26}
